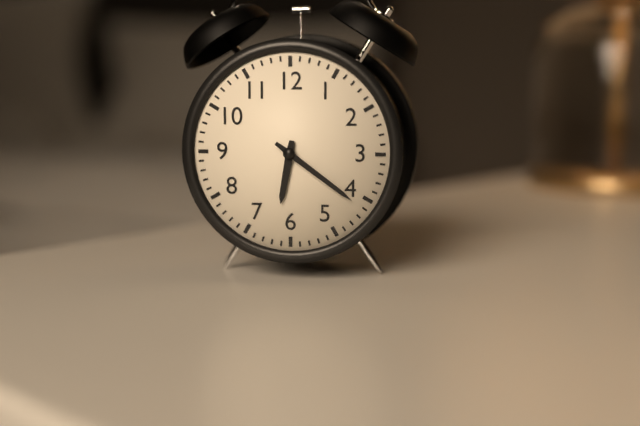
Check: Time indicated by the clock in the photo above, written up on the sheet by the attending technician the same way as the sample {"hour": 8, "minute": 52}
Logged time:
{"hour": 6, "minute": 21}
